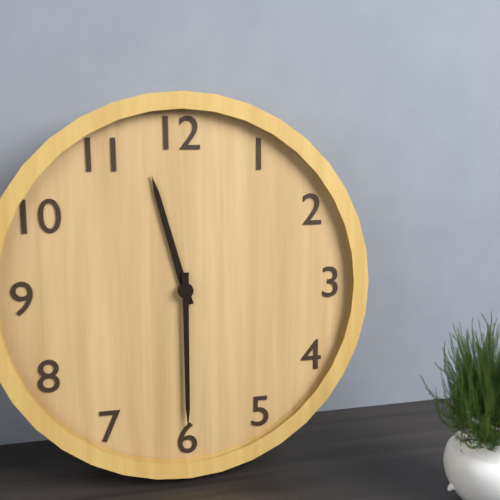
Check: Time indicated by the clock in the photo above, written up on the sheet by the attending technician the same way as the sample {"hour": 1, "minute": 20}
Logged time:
{"hour": 11, "minute": 30}
